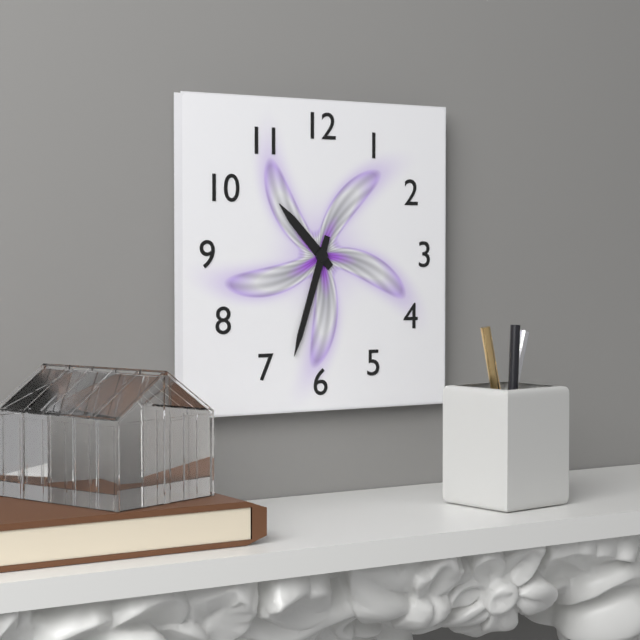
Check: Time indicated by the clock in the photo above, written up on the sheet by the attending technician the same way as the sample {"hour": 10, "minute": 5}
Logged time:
{"hour": 10, "minute": 33}
